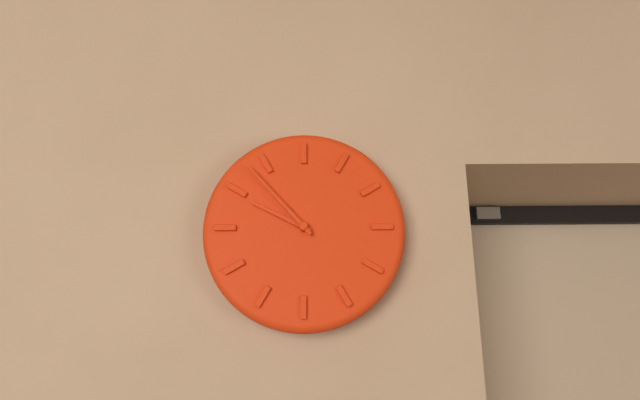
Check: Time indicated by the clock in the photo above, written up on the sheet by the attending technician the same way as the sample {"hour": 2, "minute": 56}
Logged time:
{"hour": 9, "minute": 53}
